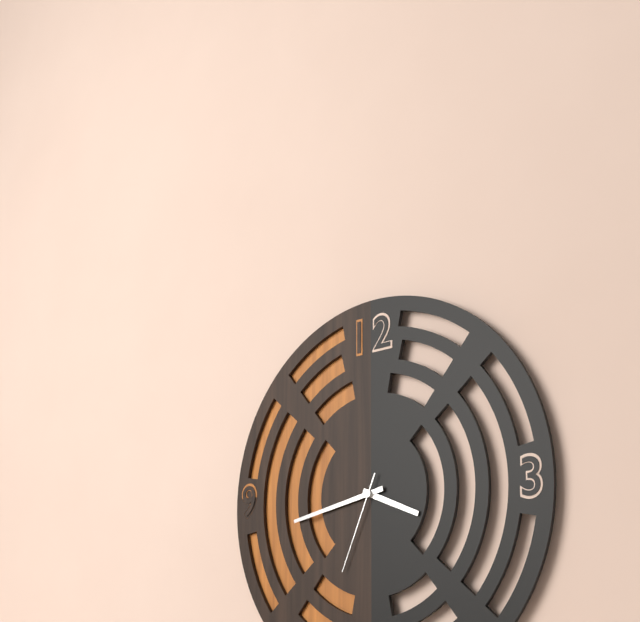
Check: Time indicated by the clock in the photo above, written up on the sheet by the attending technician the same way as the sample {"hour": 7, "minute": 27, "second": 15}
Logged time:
{"hour": 3, "minute": 43, "second": 34}
